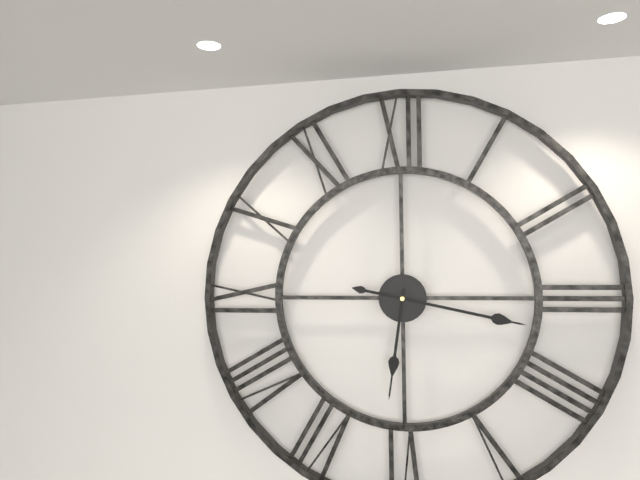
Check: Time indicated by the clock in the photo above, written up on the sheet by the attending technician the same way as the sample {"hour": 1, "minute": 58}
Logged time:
{"hour": 6, "minute": 17}
